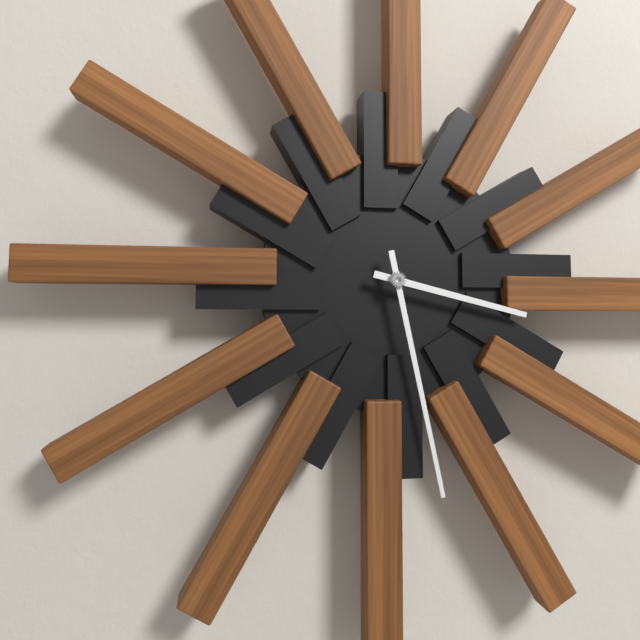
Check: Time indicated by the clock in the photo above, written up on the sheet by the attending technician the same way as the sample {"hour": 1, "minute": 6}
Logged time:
{"hour": 3, "minute": 28}
